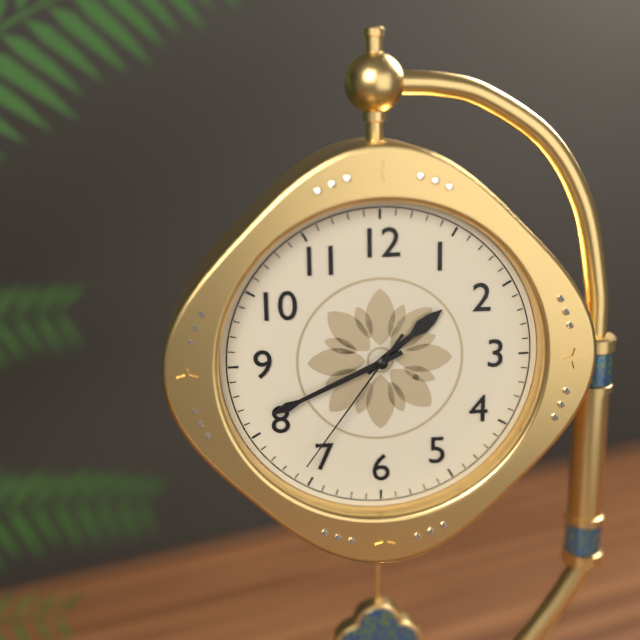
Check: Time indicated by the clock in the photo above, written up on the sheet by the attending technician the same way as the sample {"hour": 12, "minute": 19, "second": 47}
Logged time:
{"hour": 1, "minute": 41, "second": 36}
